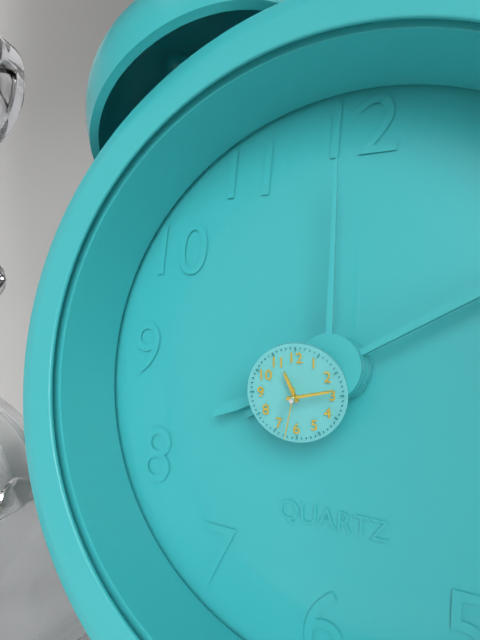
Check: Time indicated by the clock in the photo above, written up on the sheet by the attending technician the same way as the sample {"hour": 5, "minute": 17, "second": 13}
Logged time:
{"hour": 11, "minute": 13, "second": 32}
